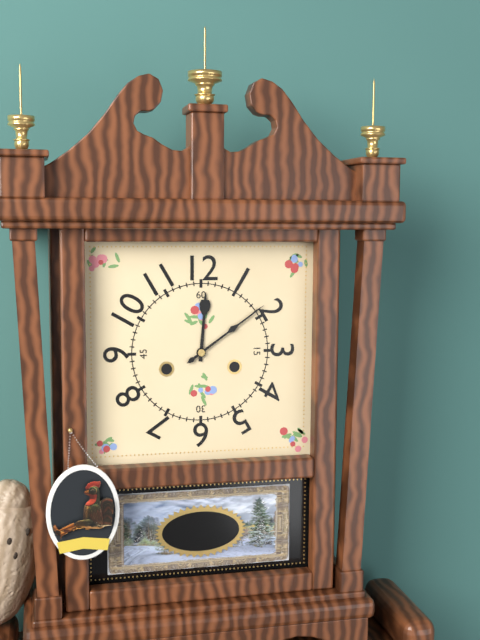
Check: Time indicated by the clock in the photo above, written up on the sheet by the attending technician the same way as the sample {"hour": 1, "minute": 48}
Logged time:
{"hour": 12, "minute": 9}
